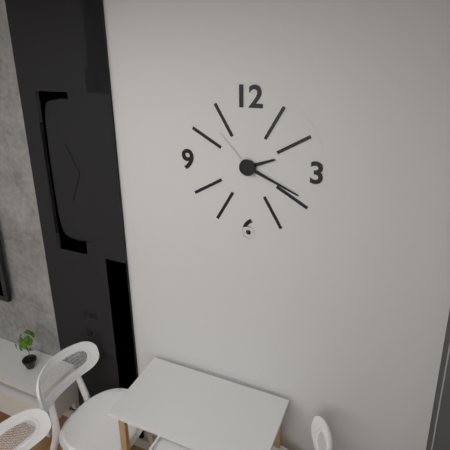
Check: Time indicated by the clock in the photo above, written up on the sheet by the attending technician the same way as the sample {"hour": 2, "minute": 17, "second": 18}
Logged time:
{"hour": 2, "minute": 19, "second": 53}
